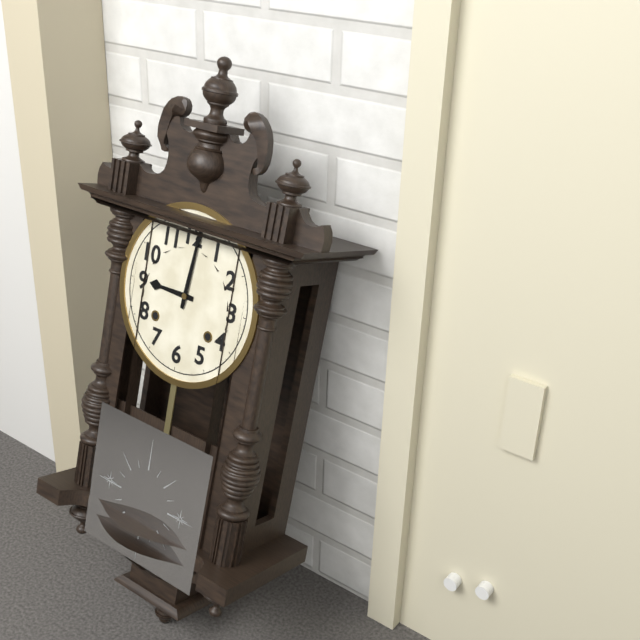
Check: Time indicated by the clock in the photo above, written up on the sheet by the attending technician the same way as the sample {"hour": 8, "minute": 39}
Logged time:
{"hour": 9, "minute": 1}
